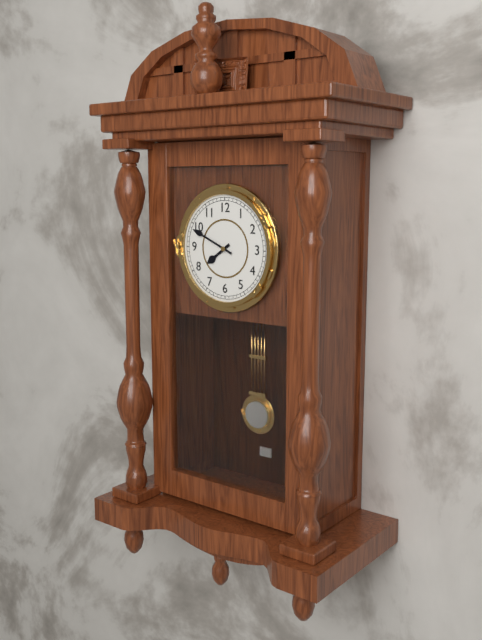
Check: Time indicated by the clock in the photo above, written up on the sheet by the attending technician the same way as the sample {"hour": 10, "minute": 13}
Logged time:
{"hour": 7, "minute": 49}
